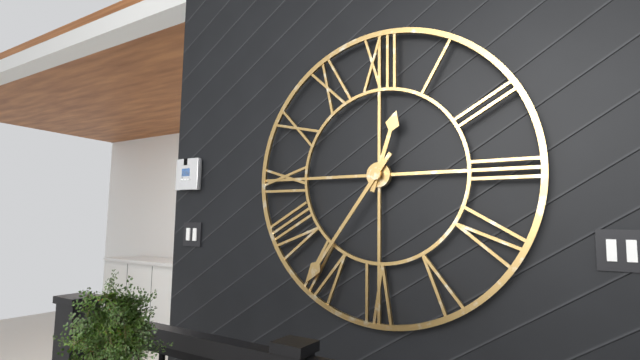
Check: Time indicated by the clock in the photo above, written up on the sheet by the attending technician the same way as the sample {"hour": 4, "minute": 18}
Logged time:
{"hour": 12, "minute": 36}
